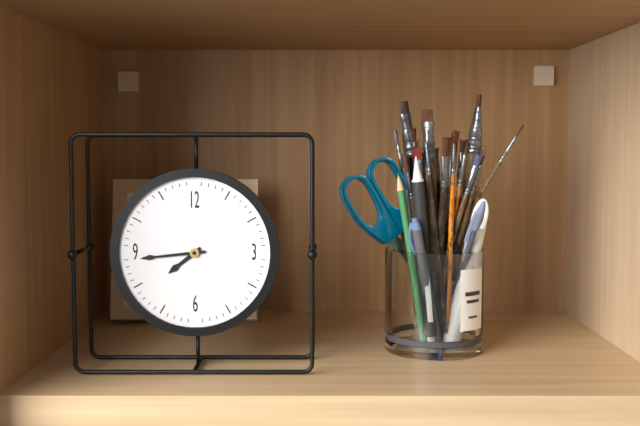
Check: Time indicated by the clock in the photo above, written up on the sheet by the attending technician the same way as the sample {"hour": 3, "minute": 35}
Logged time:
{"hour": 7, "minute": 44}
